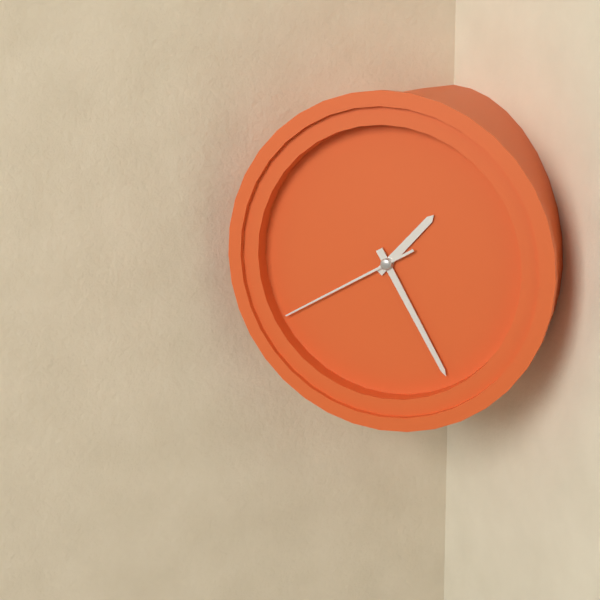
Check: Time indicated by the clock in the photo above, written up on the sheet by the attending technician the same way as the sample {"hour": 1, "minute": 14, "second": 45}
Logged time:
{"hour": 1, "minute": 25, "second": 40}
